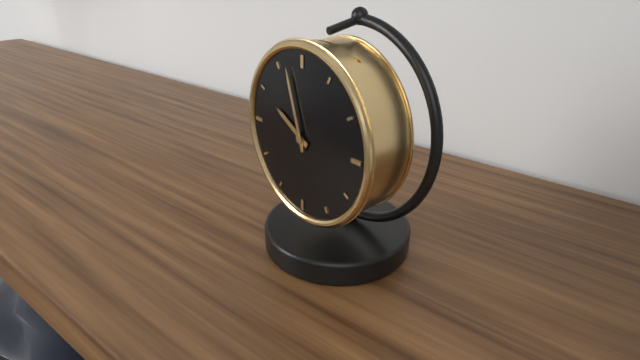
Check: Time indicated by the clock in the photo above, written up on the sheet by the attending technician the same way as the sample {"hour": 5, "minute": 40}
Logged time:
{"hour": 9, "minute": 57}
